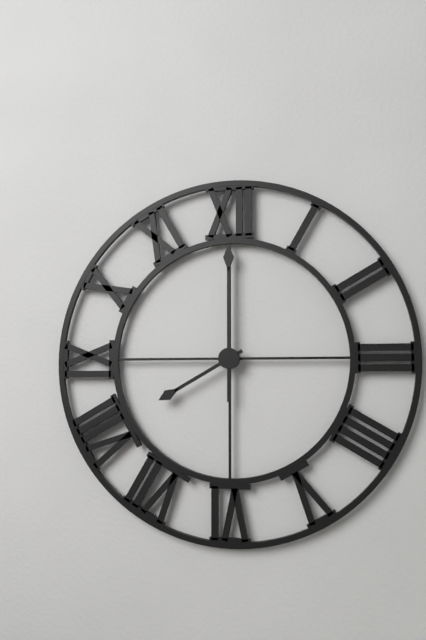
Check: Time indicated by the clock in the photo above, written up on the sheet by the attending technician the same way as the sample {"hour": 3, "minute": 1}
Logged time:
{"hour": 8, "minute": 0}
